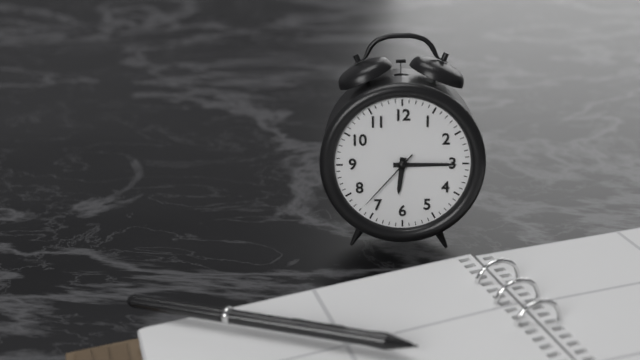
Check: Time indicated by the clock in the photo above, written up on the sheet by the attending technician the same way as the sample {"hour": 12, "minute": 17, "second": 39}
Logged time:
{"hour": 6, "minute": 15, "second": 37}
